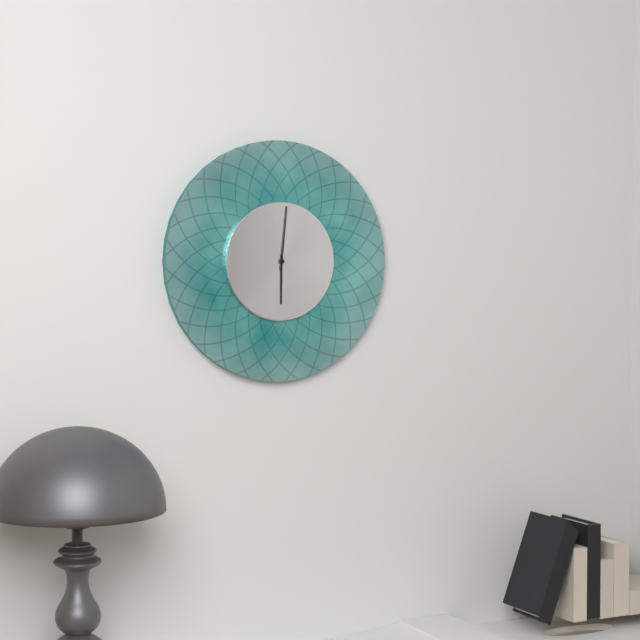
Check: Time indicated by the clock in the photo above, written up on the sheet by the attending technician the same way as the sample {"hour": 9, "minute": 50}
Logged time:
{"hour": 6, "minute": 1}
